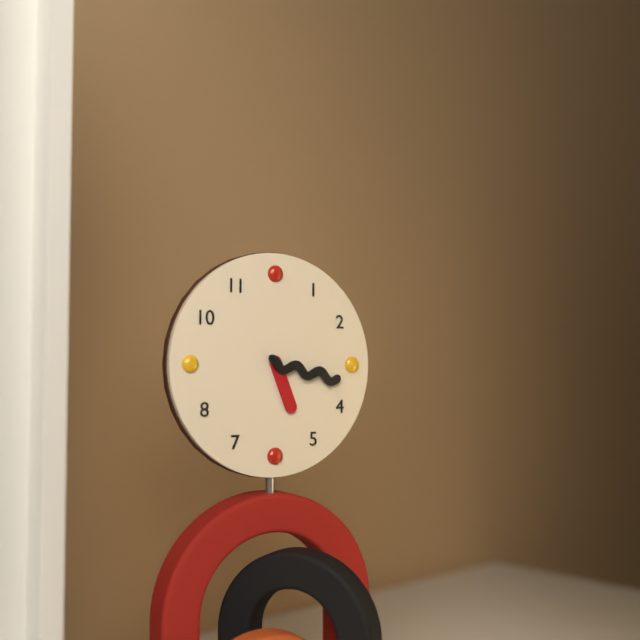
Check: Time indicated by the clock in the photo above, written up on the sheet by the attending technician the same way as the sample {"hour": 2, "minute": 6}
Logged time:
{"hour": 5, "minute": 17}
